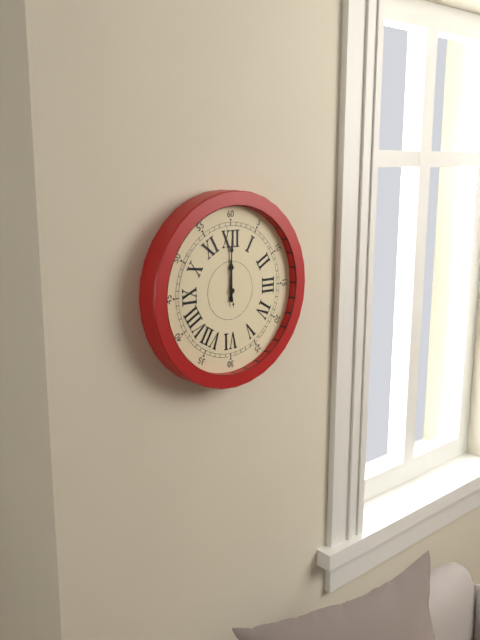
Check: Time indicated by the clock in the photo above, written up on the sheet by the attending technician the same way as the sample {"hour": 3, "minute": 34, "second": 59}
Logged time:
{"hour": 12, "minute": 0, "second": 59}
